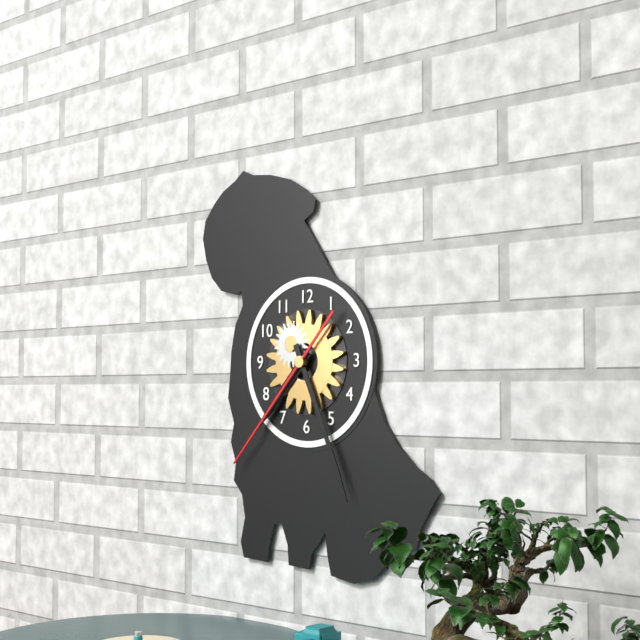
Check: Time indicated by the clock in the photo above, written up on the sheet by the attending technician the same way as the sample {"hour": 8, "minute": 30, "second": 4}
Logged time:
{"hour": 7, "minute": 26, "second": 37}
